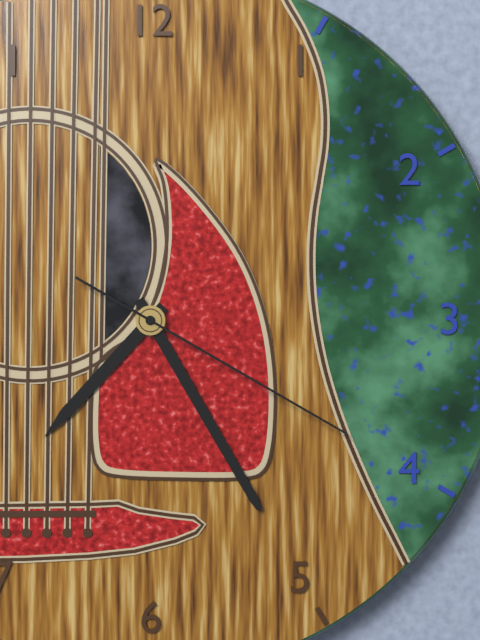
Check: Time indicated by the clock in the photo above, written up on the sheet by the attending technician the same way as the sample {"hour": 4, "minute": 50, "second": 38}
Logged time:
{"hour": 7, "minute": 25, "second": 20}
